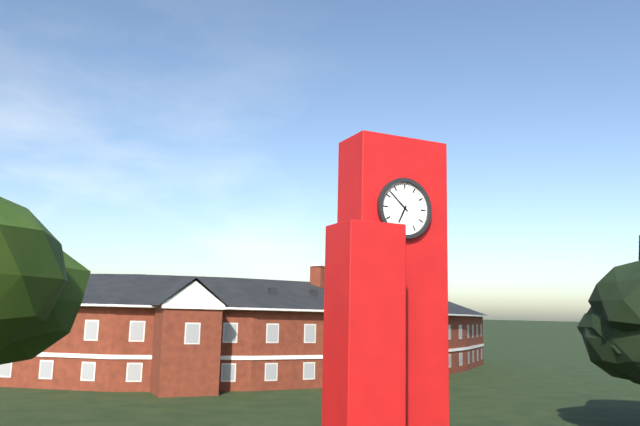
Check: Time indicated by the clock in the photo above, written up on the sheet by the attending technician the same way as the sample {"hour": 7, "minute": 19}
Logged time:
{"hour": 6, "minute": 52}
